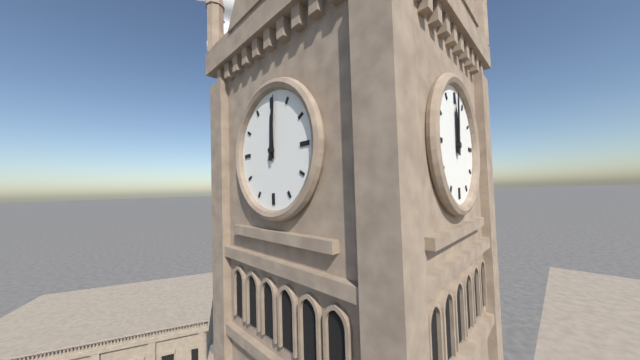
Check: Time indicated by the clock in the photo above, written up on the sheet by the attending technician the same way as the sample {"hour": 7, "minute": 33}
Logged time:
{"hour": 12, "minute": 1}
